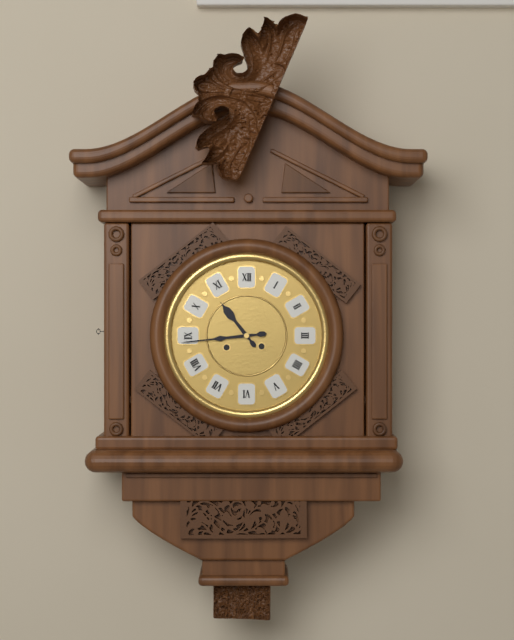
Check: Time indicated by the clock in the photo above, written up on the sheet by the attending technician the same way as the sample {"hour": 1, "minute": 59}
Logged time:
{"hour": 10, "minute": 44}
